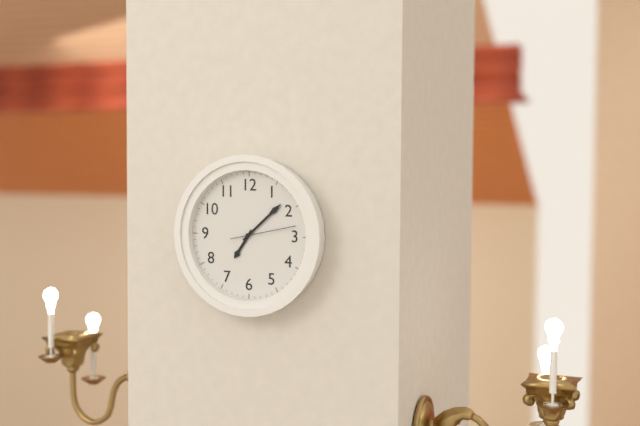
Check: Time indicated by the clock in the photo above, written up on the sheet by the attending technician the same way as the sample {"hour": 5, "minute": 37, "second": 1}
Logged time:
{"hour": 7, "minute": 8, "second": 13}
